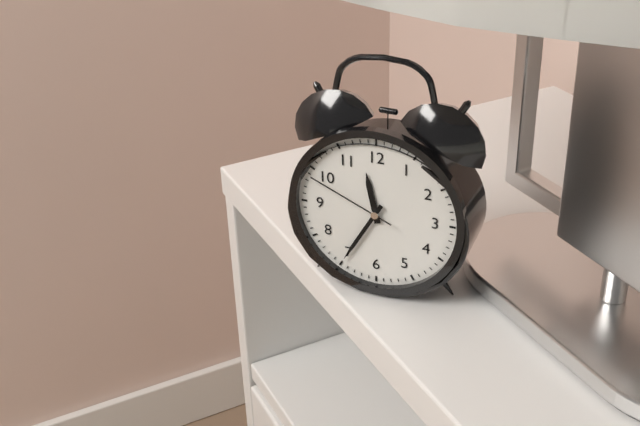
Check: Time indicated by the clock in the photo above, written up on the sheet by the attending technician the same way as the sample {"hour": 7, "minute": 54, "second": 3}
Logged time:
{"hour": 11, "minute": 35, "second": 49}
